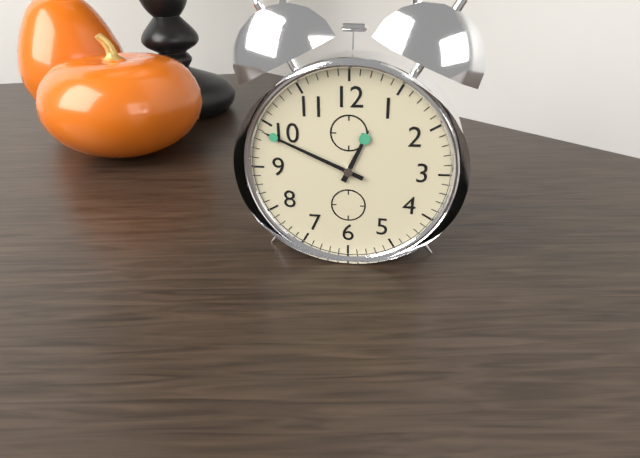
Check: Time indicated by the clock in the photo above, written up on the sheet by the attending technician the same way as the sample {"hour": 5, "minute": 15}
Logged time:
{"hour": 12, "minute": 49}
